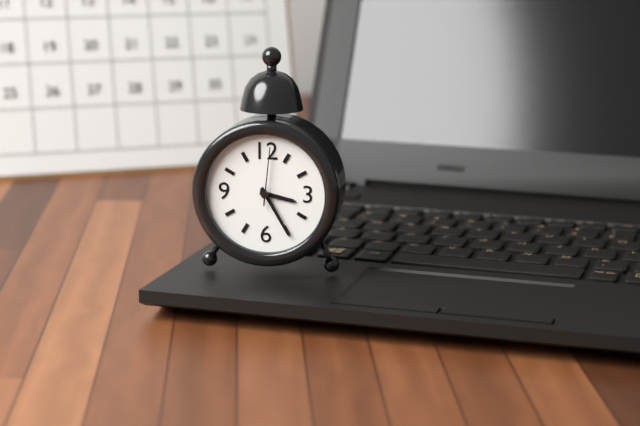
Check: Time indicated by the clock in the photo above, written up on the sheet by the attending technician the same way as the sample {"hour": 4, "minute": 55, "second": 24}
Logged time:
{"hour": 3, "minute": 25, "second": 1}
